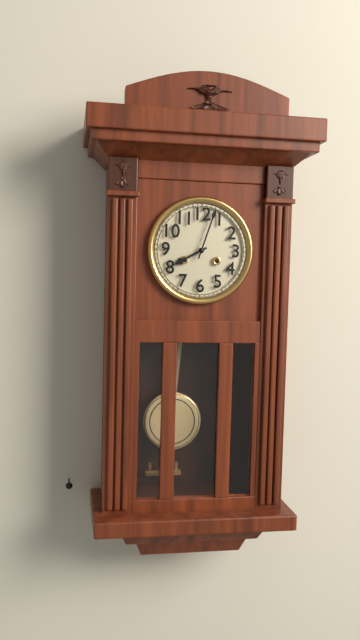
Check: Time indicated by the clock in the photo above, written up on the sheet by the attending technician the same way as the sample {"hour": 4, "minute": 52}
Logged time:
{"hour": 8, "minute": 3}
